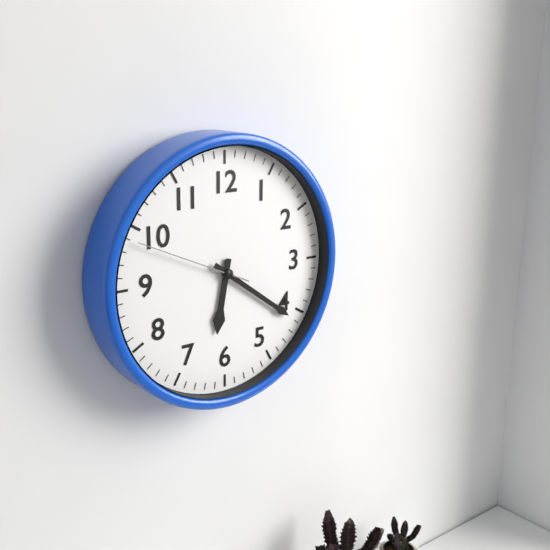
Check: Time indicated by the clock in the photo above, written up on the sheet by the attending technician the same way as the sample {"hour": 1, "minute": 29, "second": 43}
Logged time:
{"hour": 6, "minute": 21, "second": 49}
